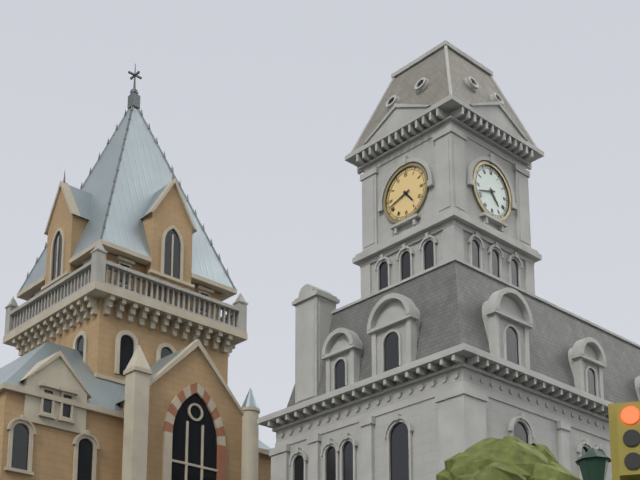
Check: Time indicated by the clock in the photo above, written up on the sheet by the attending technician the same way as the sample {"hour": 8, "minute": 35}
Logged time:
{"hour": 4, "minute": 42}
